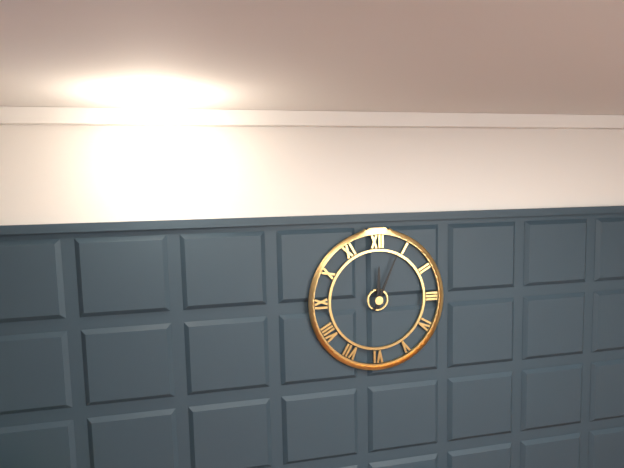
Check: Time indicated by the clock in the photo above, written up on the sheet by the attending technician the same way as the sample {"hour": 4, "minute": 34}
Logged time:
{"hour": 12, "minute": 4}
